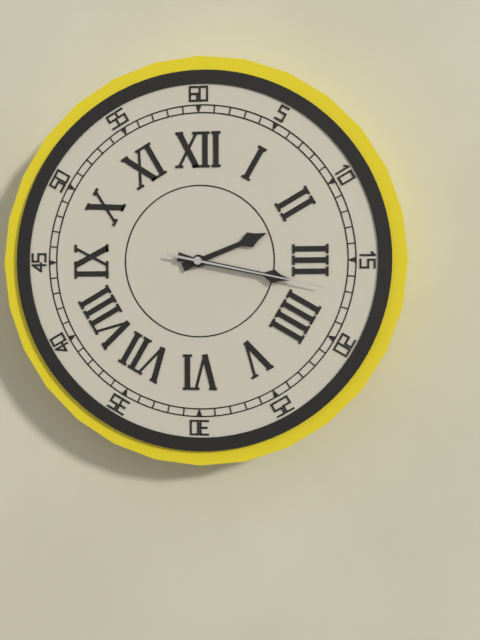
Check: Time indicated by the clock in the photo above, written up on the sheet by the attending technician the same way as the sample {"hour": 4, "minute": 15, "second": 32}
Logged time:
{"hour": 2, "minute": 17, "second": 17}
